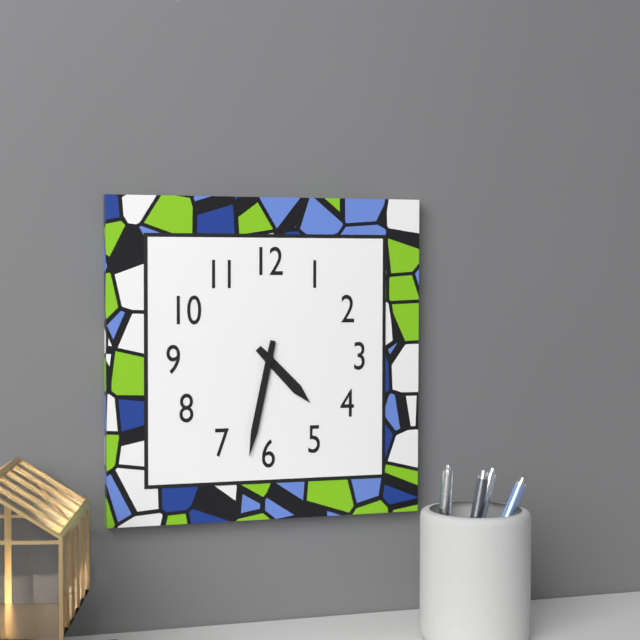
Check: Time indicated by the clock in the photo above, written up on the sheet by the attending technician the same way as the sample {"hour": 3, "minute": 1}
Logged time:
{"hour": 4, "minute": 32}
